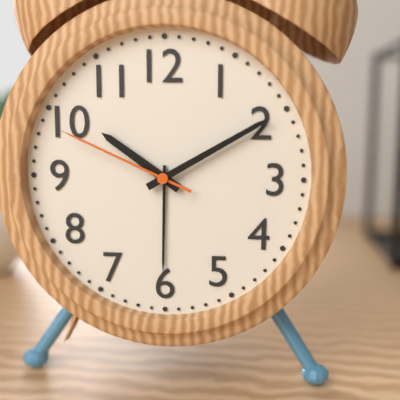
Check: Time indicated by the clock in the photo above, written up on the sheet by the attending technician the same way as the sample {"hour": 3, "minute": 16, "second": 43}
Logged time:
{"hour": 10, "minute": 10, "second": 49}
